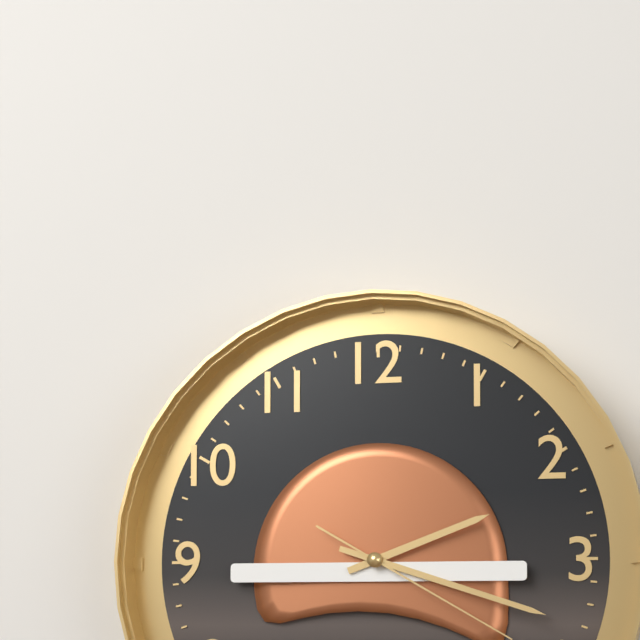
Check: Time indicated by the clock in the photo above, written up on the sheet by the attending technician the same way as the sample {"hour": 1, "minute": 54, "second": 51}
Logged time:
{"hour": 2, "minute": 18, "second": 20}
